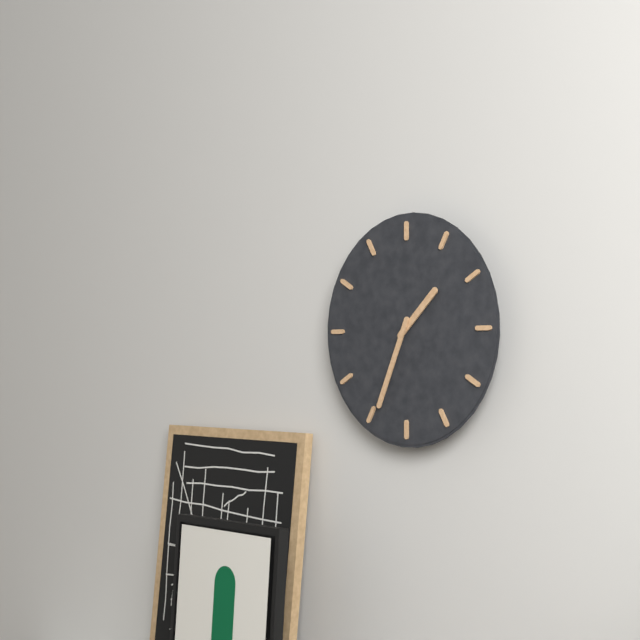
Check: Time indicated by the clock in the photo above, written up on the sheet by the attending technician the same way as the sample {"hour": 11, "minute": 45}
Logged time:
{"hour": 1, "minute": 34}
